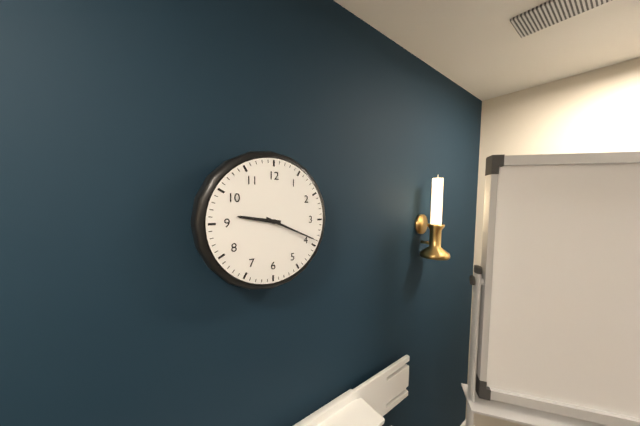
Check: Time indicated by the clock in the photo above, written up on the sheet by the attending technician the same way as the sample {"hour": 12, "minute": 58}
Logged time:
{"hour": 9, "minute": 19}
